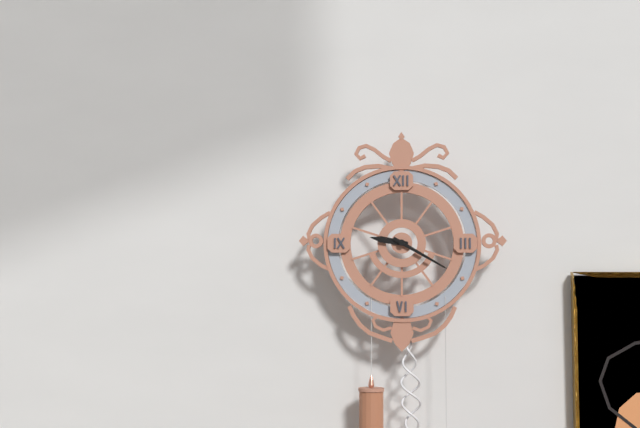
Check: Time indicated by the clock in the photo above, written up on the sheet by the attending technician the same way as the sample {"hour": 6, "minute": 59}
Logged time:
{"hour": 9, "minute": 20}
